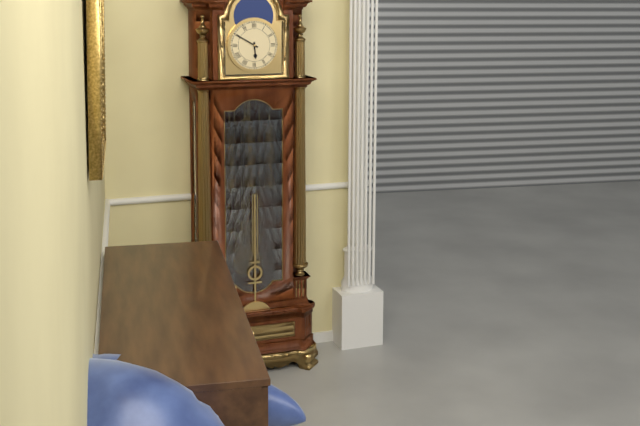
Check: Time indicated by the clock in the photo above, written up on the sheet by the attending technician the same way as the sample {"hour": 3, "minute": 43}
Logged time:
{"hour": 5, "minute": 50}
